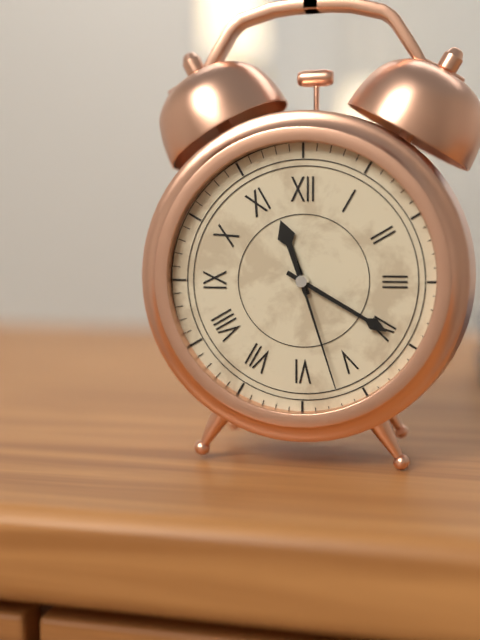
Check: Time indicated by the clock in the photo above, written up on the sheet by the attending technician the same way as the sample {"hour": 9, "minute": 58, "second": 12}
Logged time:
{"hour": 11, "minute": 20, "second": 27}
